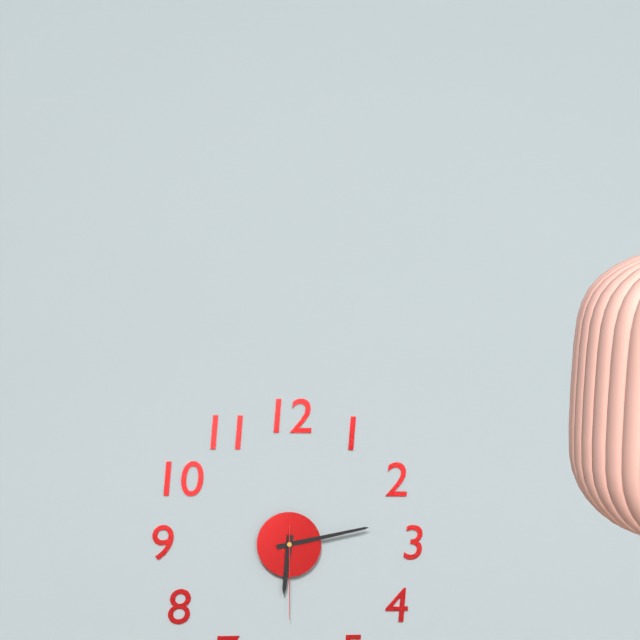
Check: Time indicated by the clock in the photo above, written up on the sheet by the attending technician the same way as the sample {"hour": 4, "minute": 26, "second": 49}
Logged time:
{"hour": 6, "minute": 13, "second": 30}
